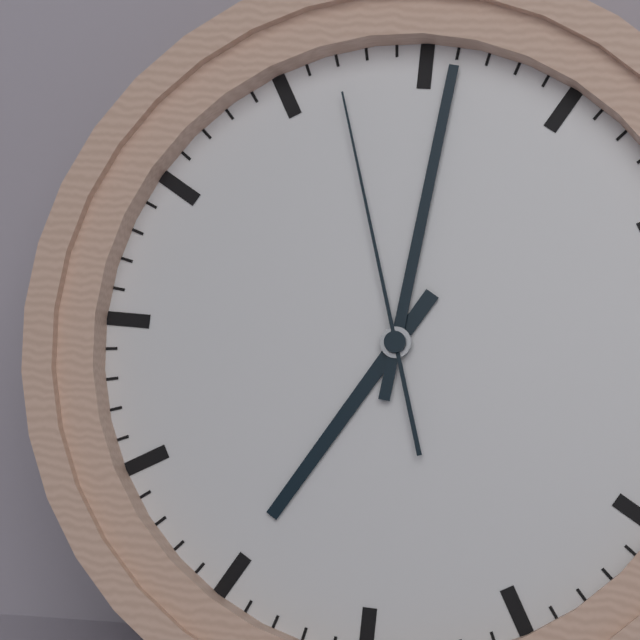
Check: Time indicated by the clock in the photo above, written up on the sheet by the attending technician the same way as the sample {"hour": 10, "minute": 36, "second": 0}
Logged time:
{"hour": 7, "minute": 1, "second": 57}
